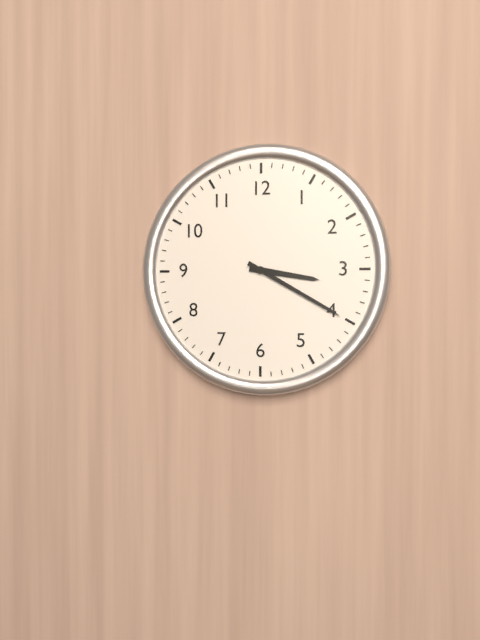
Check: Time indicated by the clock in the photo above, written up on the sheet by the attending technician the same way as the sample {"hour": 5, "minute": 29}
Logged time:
{"hour": 3, "minute": 20}
